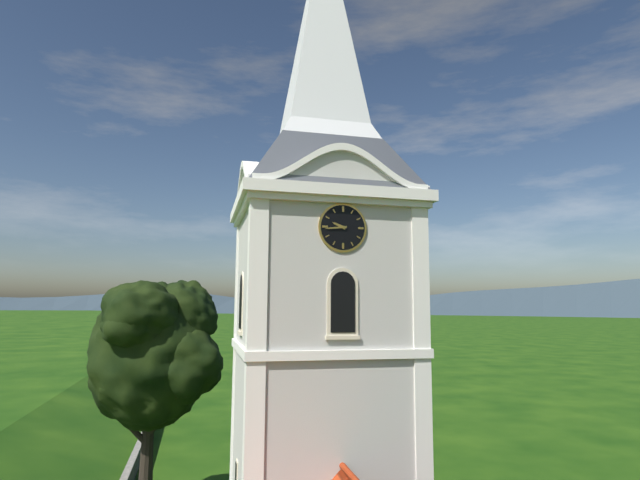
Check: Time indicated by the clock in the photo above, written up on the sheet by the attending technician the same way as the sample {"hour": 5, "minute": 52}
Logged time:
{"hour": 9, "minute": 44}
